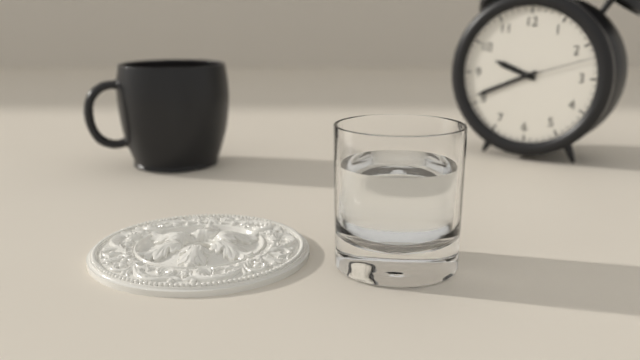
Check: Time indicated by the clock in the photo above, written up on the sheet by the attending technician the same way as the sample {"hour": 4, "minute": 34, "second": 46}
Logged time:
{"hour": 9, "minute": 41, "second": 12}
